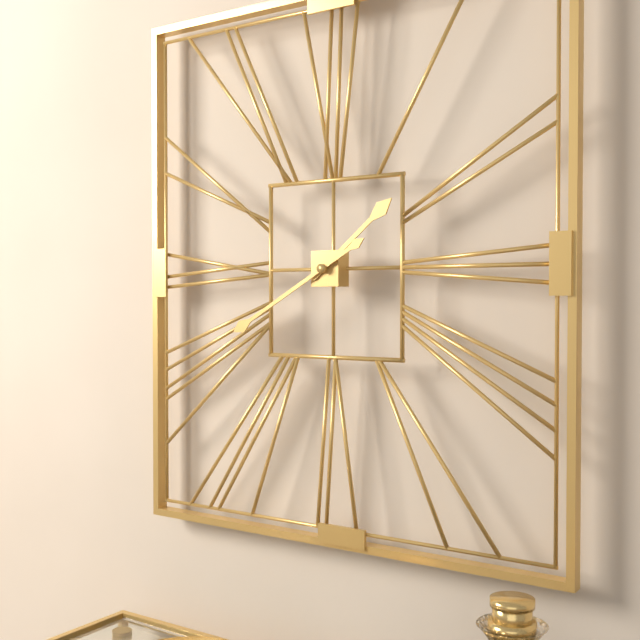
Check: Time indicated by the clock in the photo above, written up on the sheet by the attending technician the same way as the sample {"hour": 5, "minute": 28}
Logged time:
{"hour": 1, "minute": 40}
